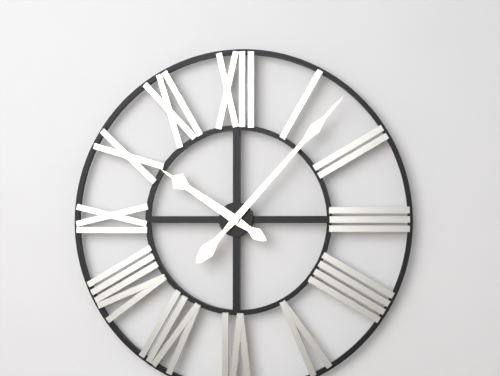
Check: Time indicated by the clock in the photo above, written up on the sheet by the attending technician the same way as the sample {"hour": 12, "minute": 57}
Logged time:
{"hour": 10, "minute": 7}
